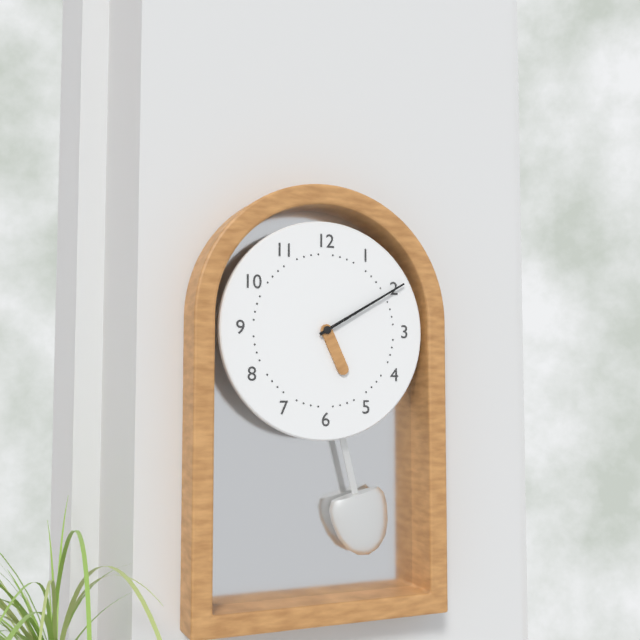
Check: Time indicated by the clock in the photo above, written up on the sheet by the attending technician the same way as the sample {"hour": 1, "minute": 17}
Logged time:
{"hour": 5, "minute": 10}
